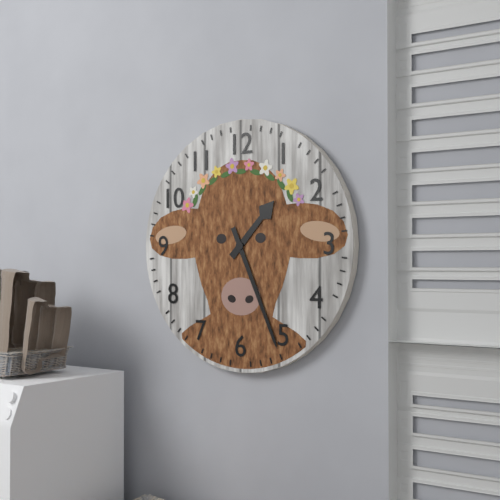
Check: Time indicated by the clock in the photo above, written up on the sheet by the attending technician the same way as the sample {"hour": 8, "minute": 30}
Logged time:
{"hour": 1, "minute": 26}
